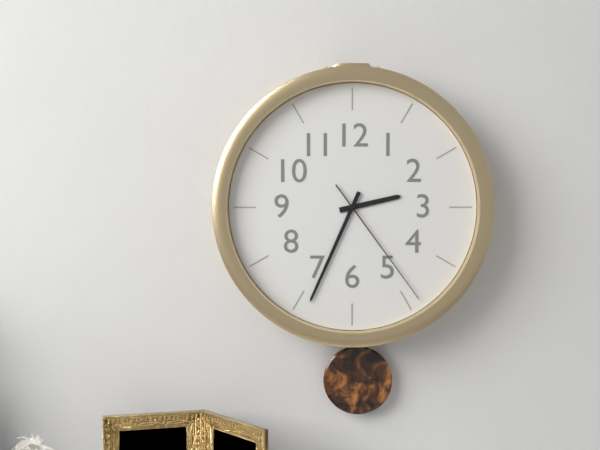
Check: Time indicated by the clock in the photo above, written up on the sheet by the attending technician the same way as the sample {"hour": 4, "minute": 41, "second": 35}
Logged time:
{"hour": 2, "minute": 34, "second": 24}
